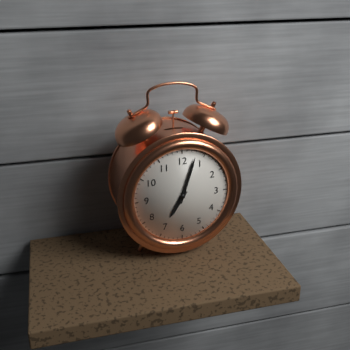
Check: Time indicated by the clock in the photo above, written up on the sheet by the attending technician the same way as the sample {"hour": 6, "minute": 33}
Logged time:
{"hour": 7, "minute": 3}
